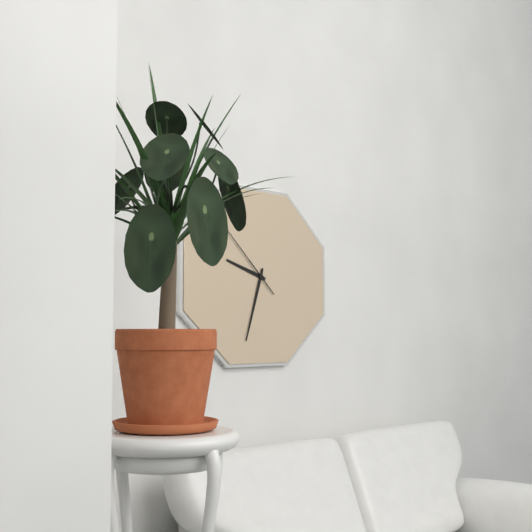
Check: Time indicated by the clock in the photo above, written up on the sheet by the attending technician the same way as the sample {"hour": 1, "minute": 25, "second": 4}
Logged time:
{"hour": 9, "minute": 33, "second": 52}
